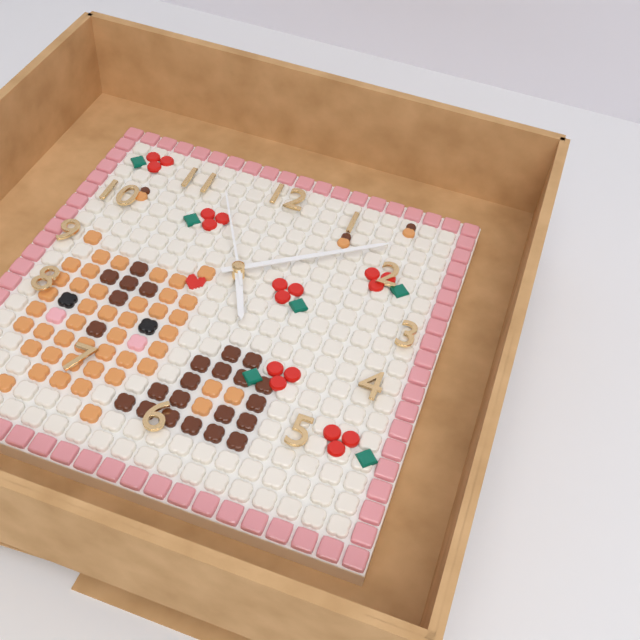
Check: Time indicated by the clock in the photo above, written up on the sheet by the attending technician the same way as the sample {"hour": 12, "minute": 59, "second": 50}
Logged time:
{"hour": 5, "minute": 9, "second": 55}
